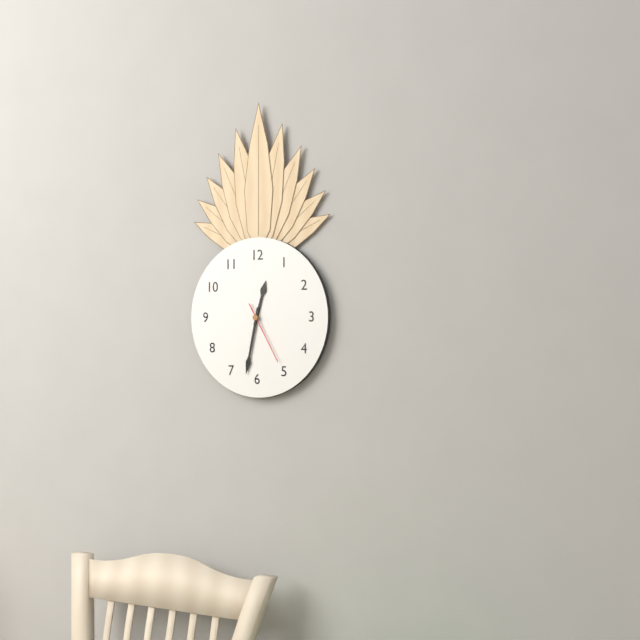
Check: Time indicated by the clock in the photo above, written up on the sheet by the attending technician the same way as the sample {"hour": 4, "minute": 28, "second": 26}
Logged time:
{"hour": 12, "minute": 32, "second": 25}
